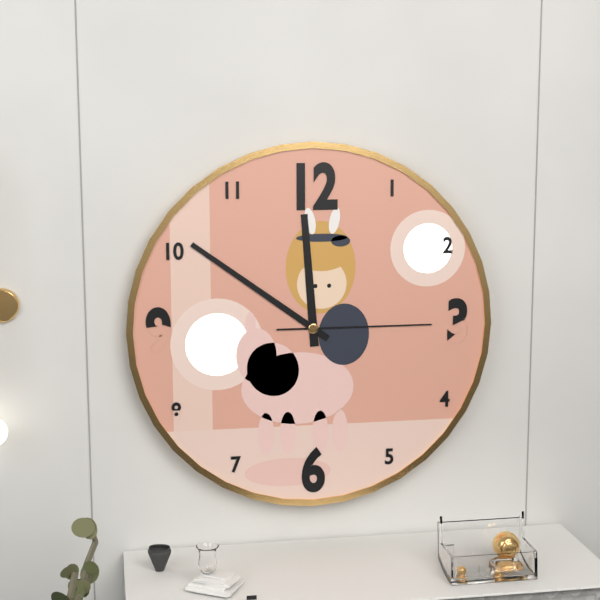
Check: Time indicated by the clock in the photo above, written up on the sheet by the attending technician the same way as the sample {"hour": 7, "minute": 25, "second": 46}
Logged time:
{"hour": 11, "minute": 51, "second": 15}
